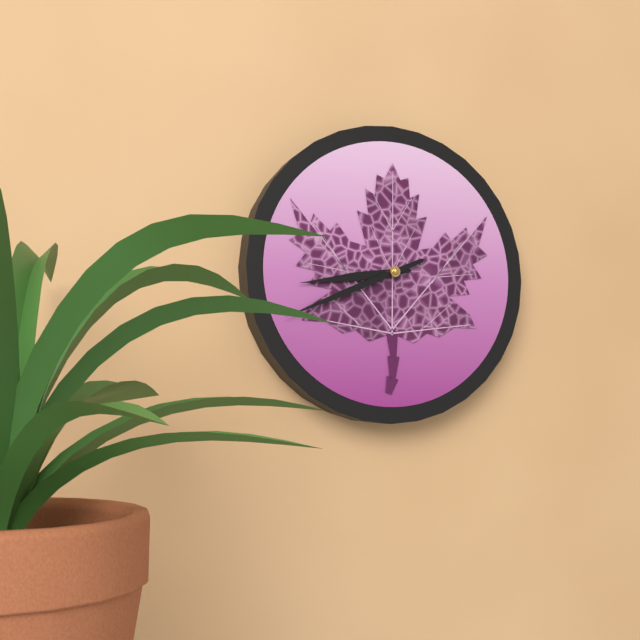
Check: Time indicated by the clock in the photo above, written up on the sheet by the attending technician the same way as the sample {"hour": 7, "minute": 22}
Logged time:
{"hour": 8, "minute": 41}
